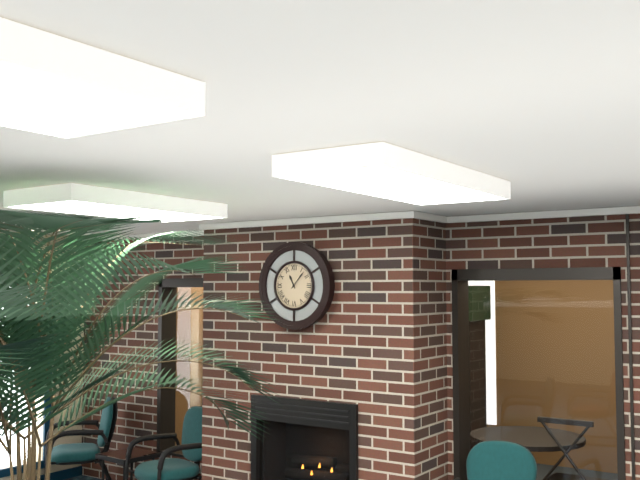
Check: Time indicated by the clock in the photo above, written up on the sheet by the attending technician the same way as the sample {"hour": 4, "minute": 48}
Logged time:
{"hour": 11, "minute": 7}
